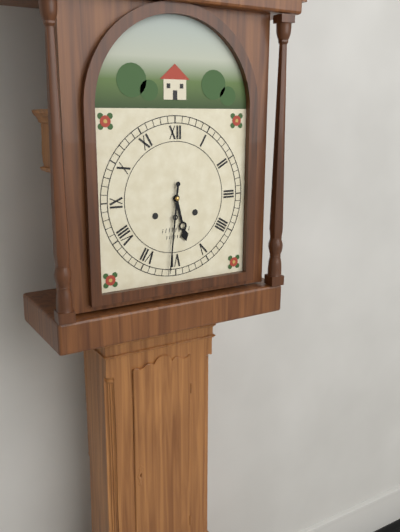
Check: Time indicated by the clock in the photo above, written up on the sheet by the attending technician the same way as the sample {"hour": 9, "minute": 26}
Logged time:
{"hour": 5, "minute": 31}
